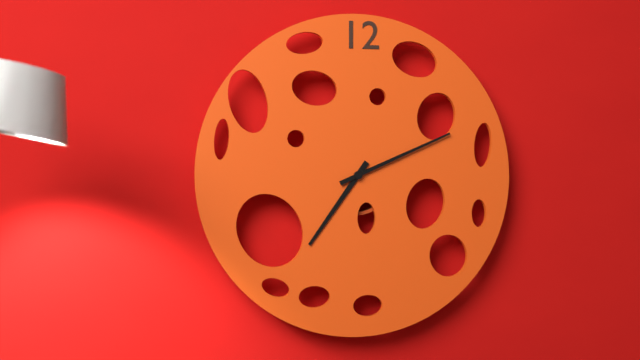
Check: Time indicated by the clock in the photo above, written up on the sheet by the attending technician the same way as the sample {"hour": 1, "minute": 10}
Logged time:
{"hour": 7, "minute": 11}
